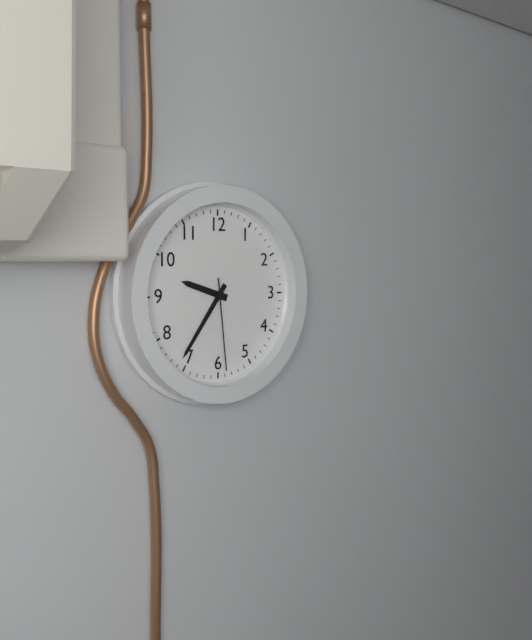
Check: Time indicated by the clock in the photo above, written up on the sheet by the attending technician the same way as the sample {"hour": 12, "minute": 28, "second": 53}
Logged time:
{"hour": 9, "minute": 36, "second": 29}
